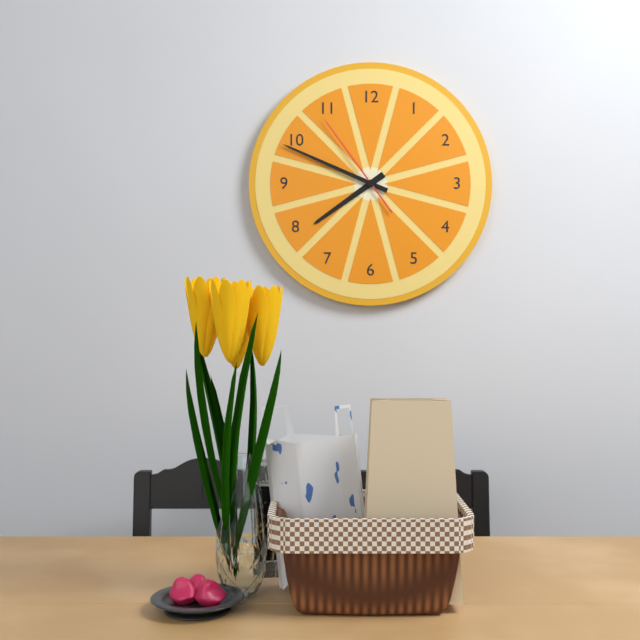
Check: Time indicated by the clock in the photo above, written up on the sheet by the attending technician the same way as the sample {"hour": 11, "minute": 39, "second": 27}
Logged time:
{"hour": 7, "minute": 49, "second": 54}
